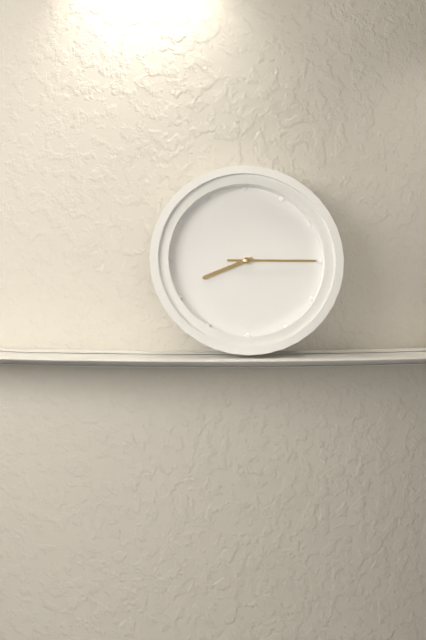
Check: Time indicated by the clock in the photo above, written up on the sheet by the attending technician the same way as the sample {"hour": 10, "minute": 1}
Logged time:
{"hour": 8, "minute": 15}
